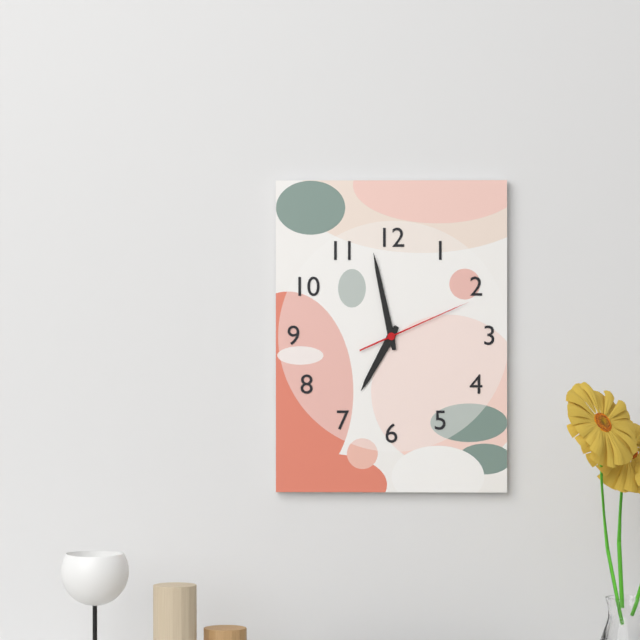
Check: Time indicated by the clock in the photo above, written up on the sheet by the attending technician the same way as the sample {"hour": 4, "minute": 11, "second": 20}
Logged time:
{"hour": 6, "minute": 58, "second": 11}
